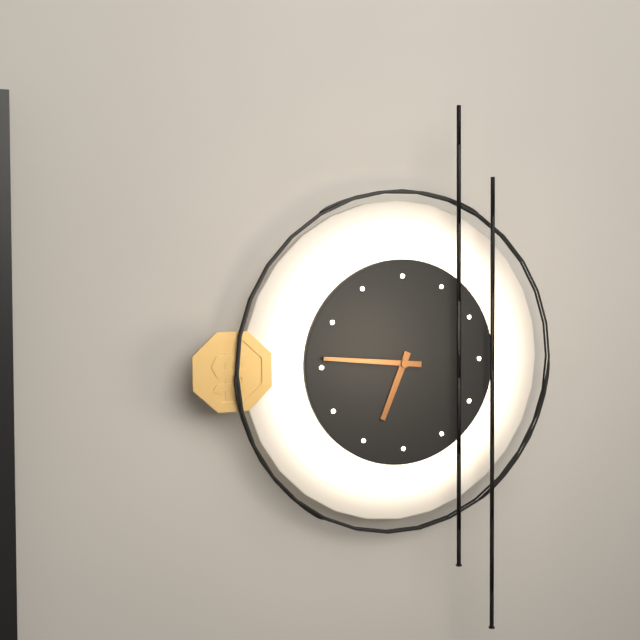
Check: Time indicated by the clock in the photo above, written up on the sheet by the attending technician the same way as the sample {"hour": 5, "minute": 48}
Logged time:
{"hour": 6, "minute": 46}
